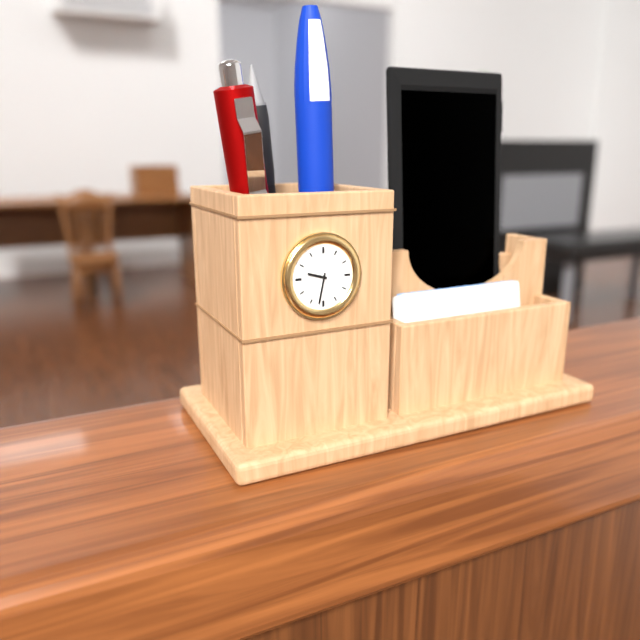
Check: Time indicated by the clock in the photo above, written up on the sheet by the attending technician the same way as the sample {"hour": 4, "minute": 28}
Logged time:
{"hour": 9, "minute": 32}
